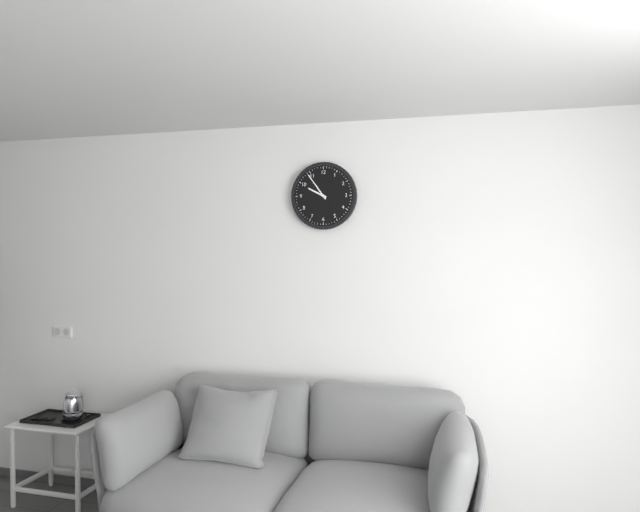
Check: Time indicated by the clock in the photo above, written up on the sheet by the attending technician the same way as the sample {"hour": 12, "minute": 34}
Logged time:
{"hour": 9, "minute": 54}
